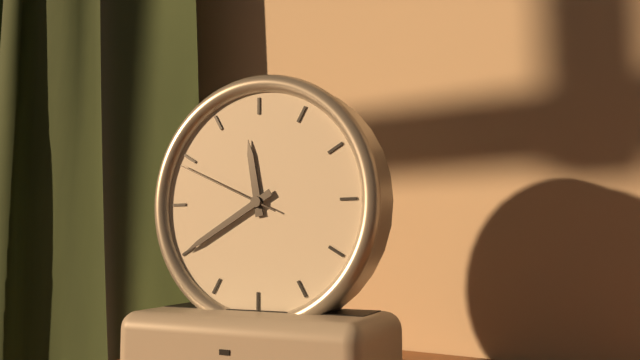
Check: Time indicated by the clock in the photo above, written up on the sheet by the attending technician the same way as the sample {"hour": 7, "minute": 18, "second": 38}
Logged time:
{"hour": 11, "minute": 40, "second": 49}
